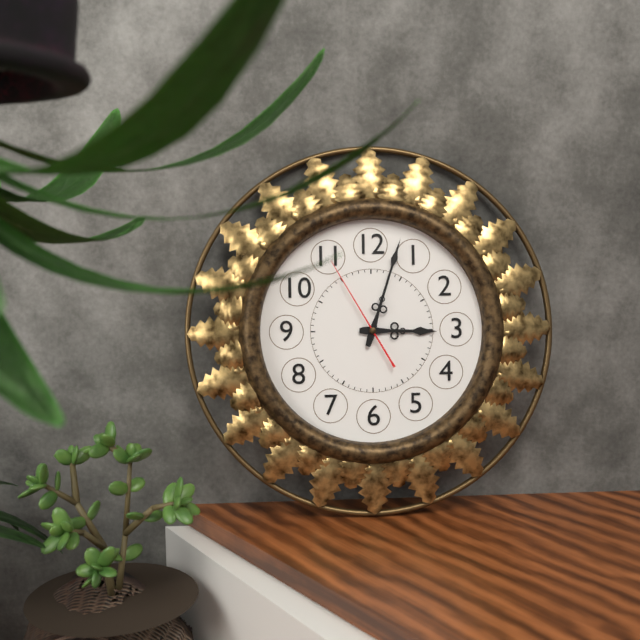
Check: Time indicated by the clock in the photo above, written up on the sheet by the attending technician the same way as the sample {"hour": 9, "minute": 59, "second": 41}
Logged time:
{"hour": 3, "minute": 3, "second": 55}
